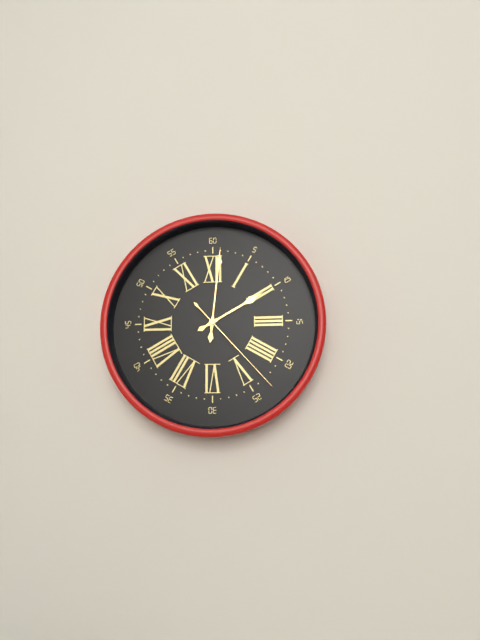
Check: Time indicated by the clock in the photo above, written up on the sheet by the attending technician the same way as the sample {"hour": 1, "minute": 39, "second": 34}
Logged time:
{"hour": 2, "minute": 1, "second": 23}
